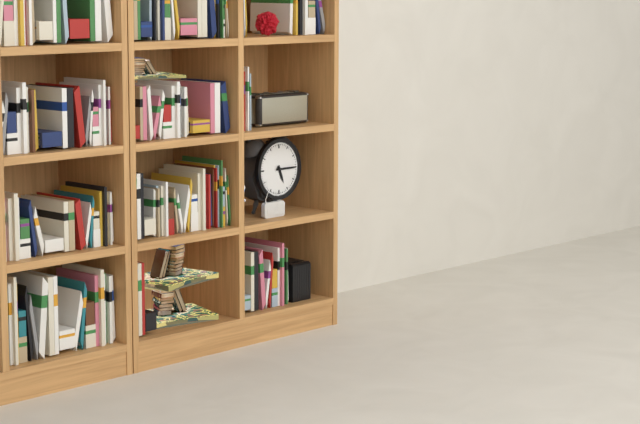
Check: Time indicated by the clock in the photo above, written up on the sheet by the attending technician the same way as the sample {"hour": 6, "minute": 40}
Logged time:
{"hour": 5, "minute": 15}
